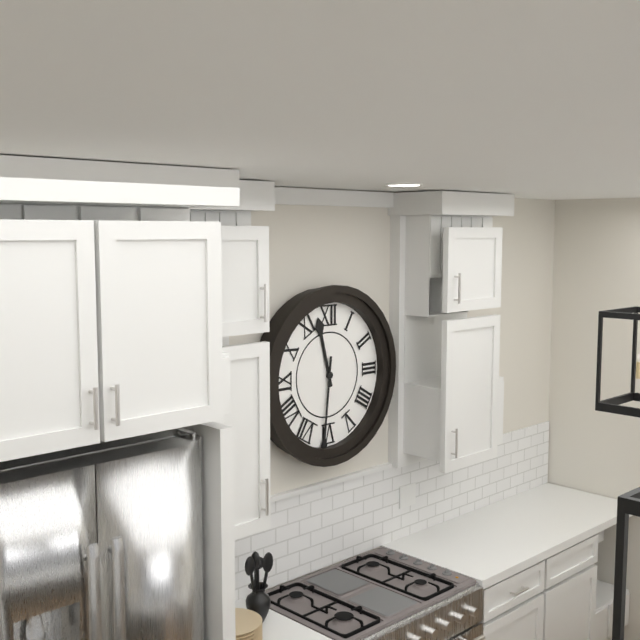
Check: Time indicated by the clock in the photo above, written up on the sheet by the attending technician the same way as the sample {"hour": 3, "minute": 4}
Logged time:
{"hour": 11, "minute": 31}
